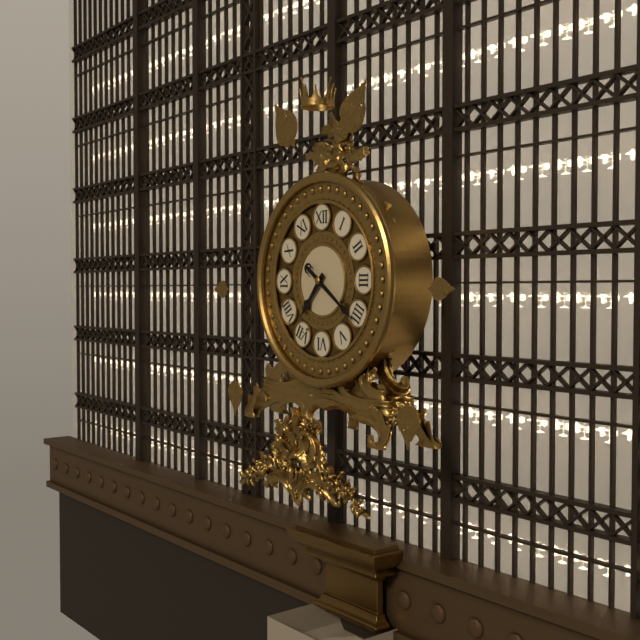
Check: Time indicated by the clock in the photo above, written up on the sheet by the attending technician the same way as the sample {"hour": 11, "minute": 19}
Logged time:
{"hour": 7, "minute": 21}
